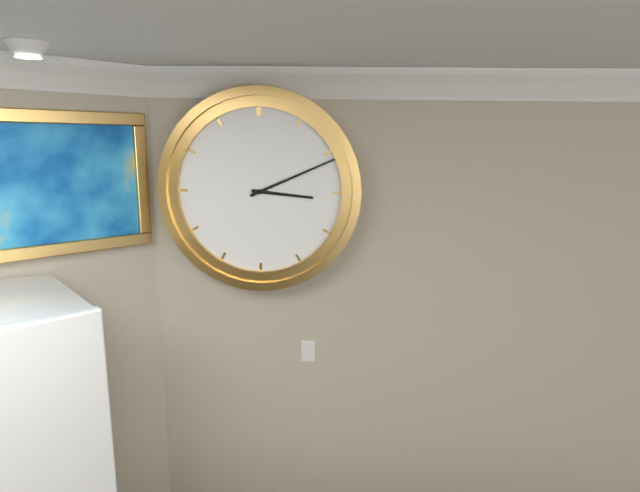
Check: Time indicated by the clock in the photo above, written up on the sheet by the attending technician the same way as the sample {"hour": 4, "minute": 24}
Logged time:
{"hour": 3, "minute": 11}
